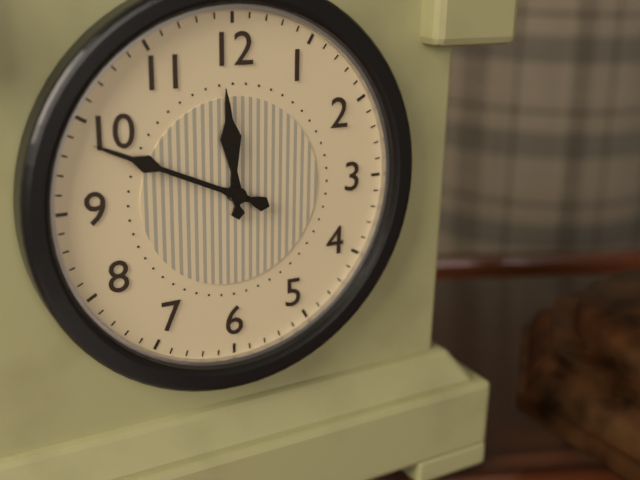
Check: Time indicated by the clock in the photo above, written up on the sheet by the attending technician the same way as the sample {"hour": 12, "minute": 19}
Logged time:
{"hour": 11, "minute": 49}
